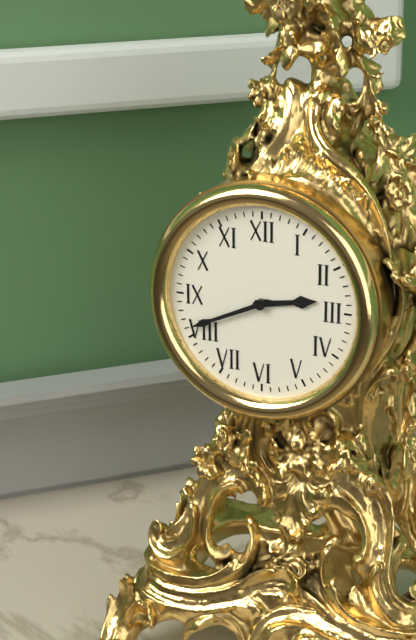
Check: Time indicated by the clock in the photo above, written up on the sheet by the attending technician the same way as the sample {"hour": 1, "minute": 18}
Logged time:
{"hour": 2, "minute": 41}
